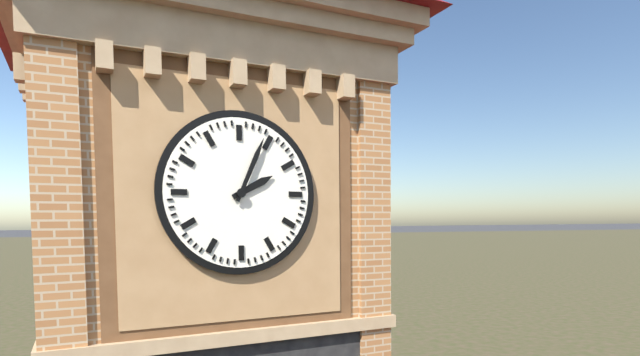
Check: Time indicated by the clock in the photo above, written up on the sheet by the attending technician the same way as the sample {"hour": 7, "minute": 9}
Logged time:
{"hour": 2, "minute": 4}
